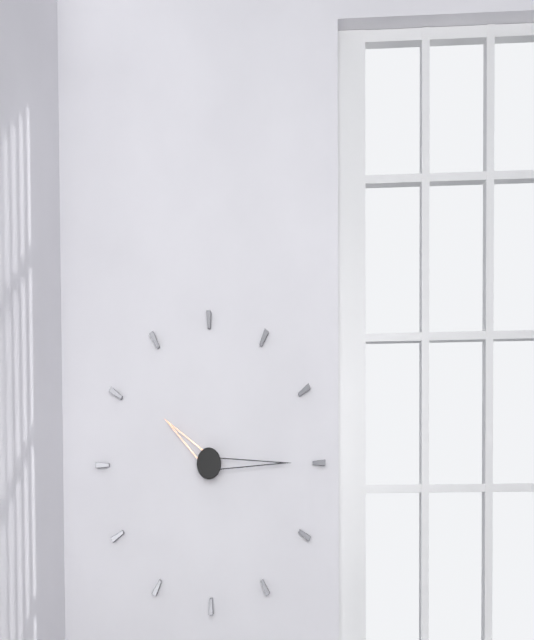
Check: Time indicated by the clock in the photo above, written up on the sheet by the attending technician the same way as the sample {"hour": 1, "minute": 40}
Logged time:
{"hour": 10, "minute": 15}
